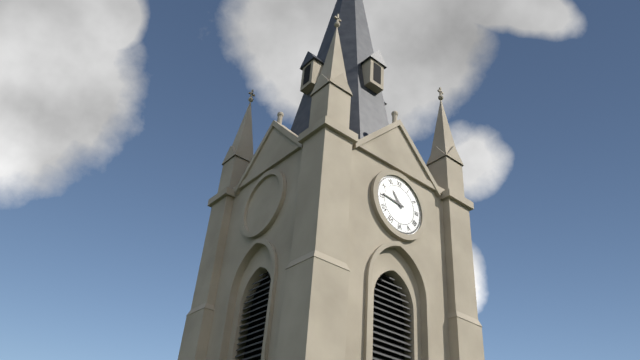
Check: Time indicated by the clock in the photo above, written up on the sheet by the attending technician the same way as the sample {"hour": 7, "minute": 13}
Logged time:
{"hour": 10, "minute": 46}
